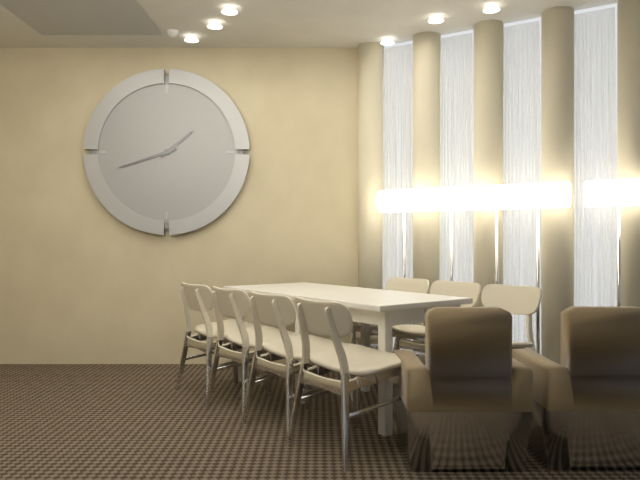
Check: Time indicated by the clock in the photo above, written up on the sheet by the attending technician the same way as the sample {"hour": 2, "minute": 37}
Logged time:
{"hour": 1, "minute": 42}
